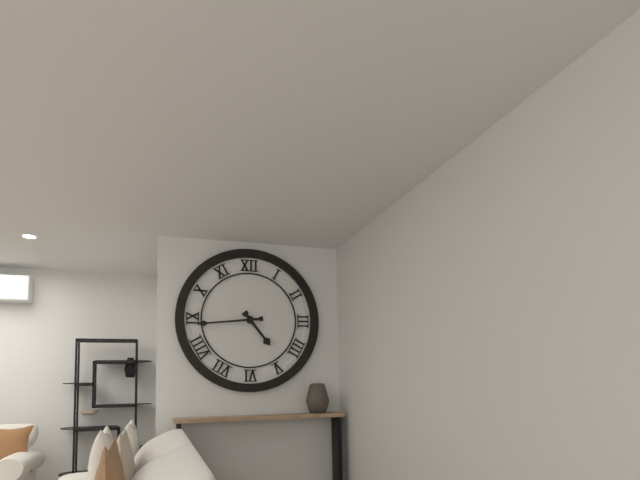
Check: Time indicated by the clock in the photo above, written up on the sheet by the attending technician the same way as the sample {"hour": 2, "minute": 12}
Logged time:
{"hour": 4, "minute": 44}
